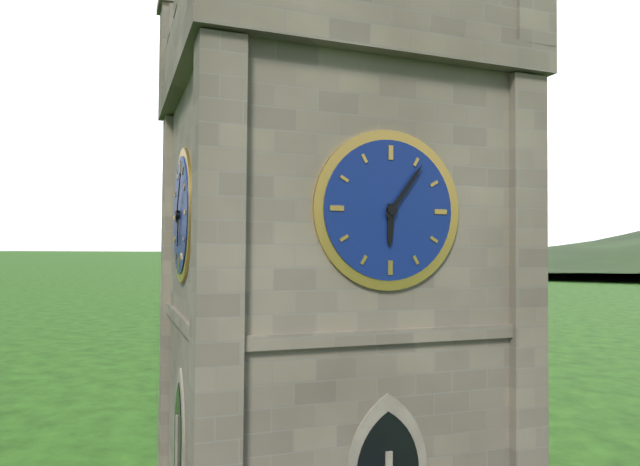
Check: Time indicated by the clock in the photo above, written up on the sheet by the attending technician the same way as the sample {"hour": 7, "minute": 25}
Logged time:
{"hour": 6, "minute": 6}
